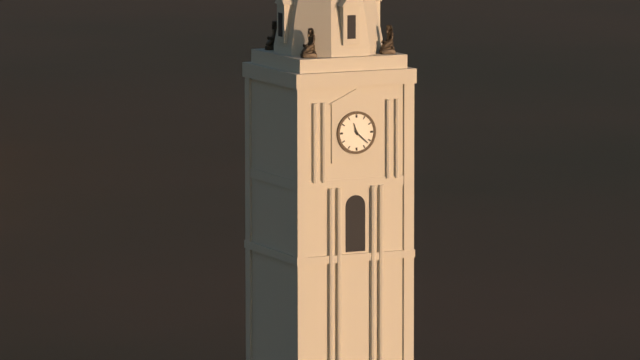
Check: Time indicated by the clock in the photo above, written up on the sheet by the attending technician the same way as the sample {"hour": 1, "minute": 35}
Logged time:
{"hour": 11, "minute": 22}
